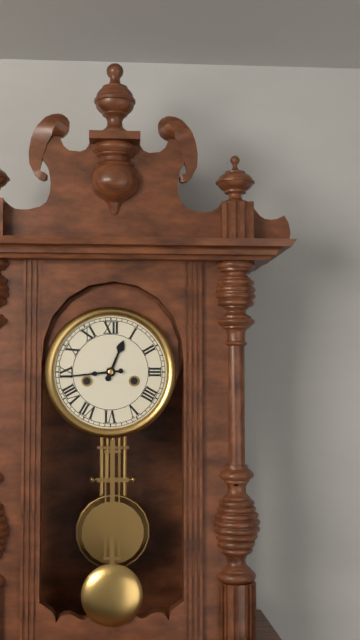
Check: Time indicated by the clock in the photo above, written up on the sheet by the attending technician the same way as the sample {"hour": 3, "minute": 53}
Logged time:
{"hour": 12, "minute": 44}
